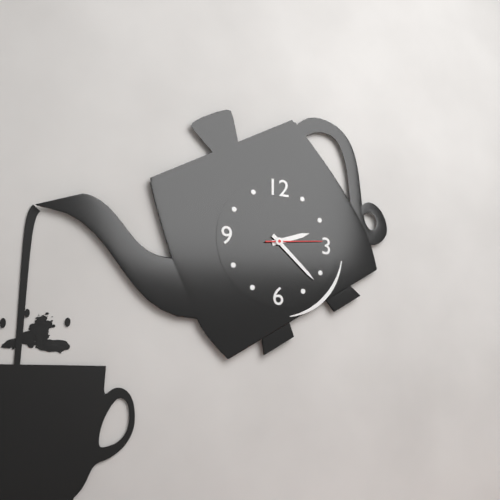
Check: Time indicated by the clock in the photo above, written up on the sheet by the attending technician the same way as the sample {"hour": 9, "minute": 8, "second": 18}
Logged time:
{"hour": 2, "minute": 22, "second": 14}
